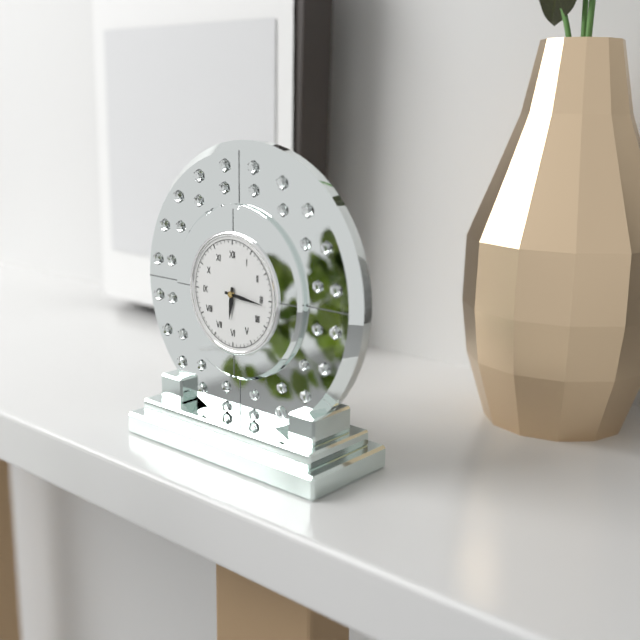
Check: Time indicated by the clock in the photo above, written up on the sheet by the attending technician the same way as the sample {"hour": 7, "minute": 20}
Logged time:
{"hour": 6, "minute": 16}
